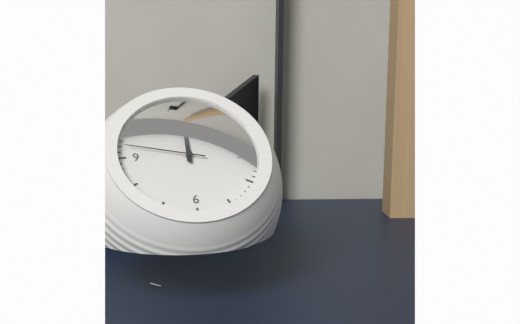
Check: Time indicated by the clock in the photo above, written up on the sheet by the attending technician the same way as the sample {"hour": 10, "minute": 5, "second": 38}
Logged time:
{"hour": 12, "minute": 0, "second": 47}
